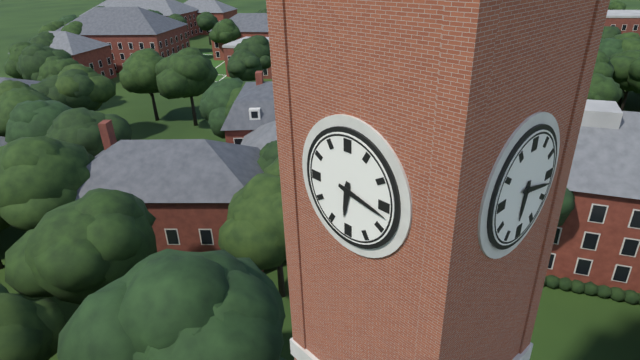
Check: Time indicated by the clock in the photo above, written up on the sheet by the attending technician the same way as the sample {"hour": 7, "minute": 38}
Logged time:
{"hour": 6, "minute": 17}
